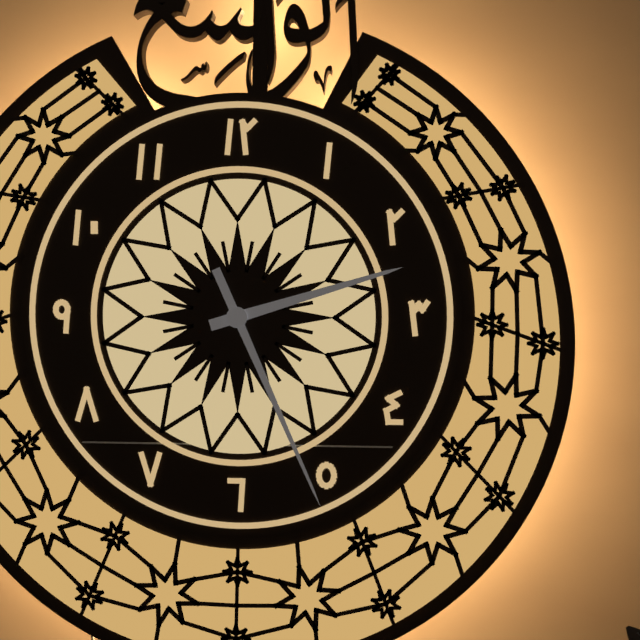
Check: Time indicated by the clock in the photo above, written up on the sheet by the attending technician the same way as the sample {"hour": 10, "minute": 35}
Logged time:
{"hour": 2, "minute": 26}
